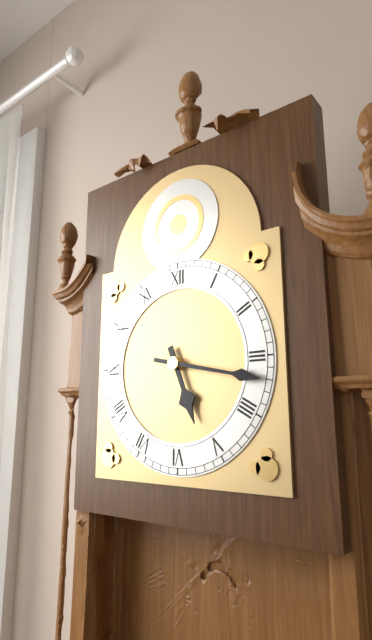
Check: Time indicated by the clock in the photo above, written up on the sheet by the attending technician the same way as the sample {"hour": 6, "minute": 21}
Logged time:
{"hour": 5, "minute": 17}
